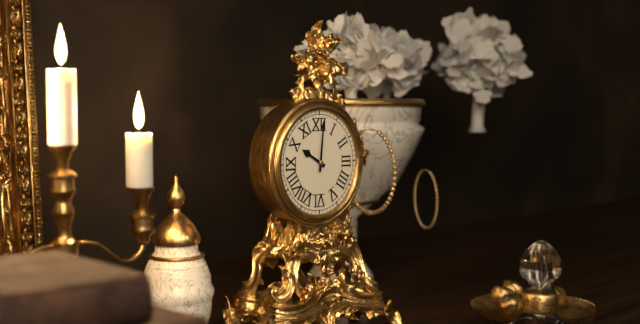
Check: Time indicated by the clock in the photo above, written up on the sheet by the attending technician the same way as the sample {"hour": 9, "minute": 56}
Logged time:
{"hour": 10, "minute": 1}
